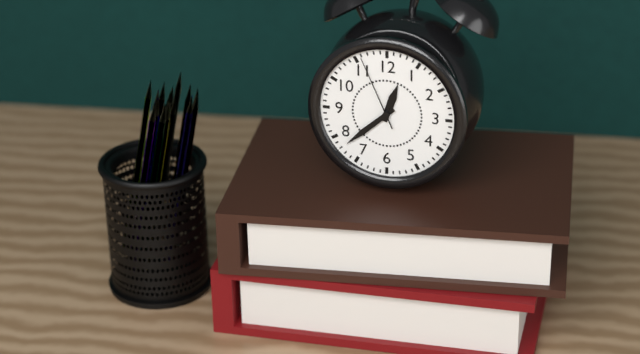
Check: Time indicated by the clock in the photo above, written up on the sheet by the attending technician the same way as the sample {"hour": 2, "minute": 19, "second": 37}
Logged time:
{"hour": 12, "minute": 38, "second": 56}
